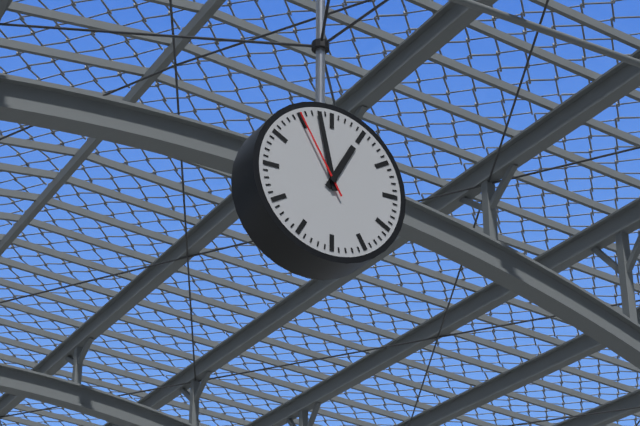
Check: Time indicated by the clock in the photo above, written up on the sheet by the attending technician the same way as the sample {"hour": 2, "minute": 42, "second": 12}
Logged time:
{"hour": 12, "minute": 58, "second": 55}
